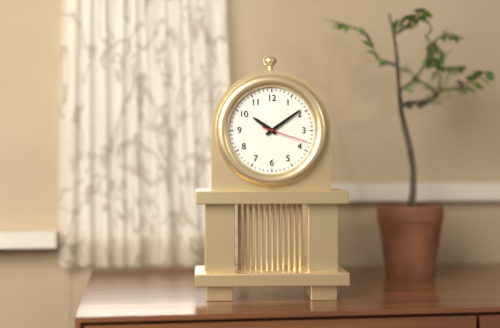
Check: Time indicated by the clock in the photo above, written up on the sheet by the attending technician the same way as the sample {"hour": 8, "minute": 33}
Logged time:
{"hour": 10, "minute": 9}
